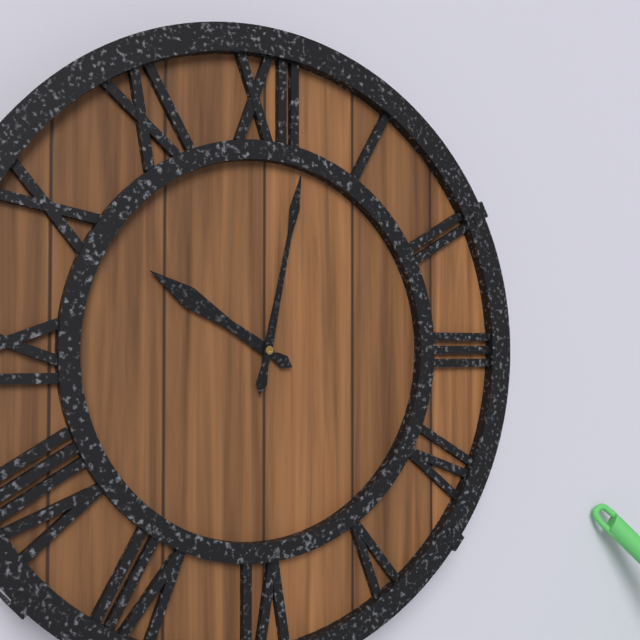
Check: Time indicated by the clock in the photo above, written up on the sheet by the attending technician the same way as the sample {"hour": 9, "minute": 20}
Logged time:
{"hour": 10, "minute": 2}
